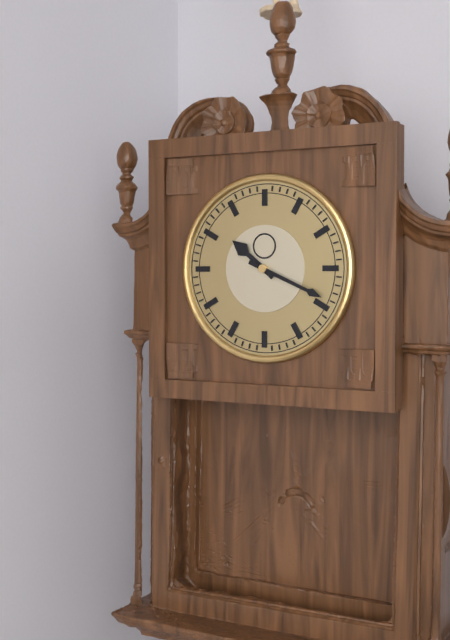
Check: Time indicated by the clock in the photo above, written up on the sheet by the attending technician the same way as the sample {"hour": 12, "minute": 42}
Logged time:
{"hour": 10, "minute": 19}
